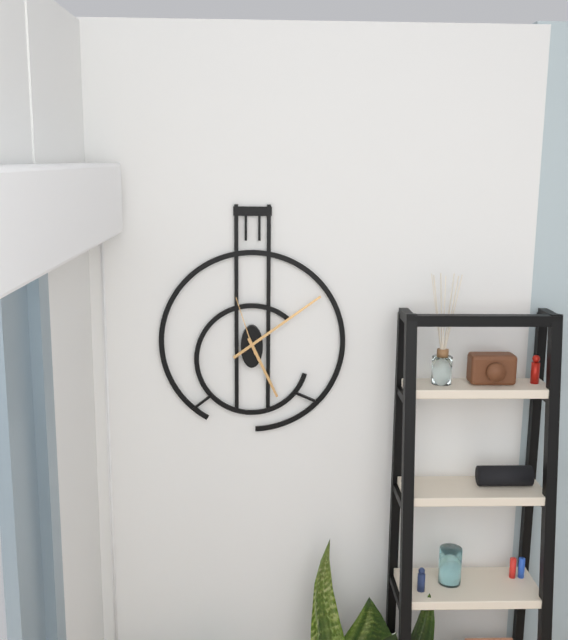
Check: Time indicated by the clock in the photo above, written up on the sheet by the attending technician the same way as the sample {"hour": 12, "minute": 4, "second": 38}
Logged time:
{"hour": 5, "minute": 9, "second": 57}
